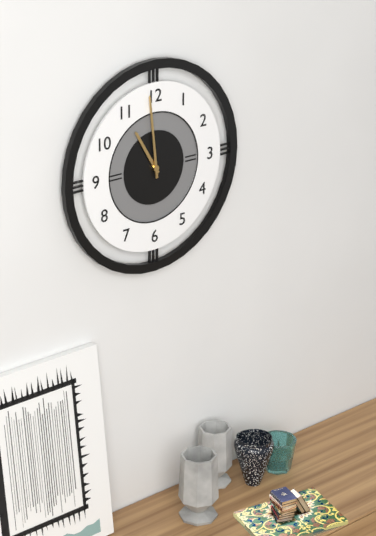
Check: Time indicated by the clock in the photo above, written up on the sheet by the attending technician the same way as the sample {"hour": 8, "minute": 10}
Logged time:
{"hour": 10, "minute": 59}
